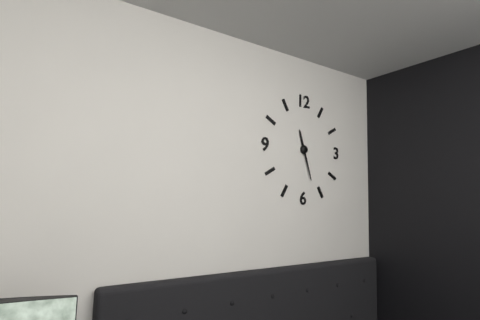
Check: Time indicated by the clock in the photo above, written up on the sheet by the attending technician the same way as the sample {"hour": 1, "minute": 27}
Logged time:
{"hour": 11, "minute": 27}
